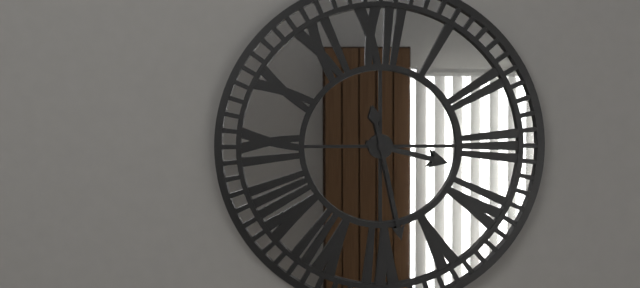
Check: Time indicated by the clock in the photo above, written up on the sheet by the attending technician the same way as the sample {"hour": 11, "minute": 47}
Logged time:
{"hour": 3, "minute": 28}
